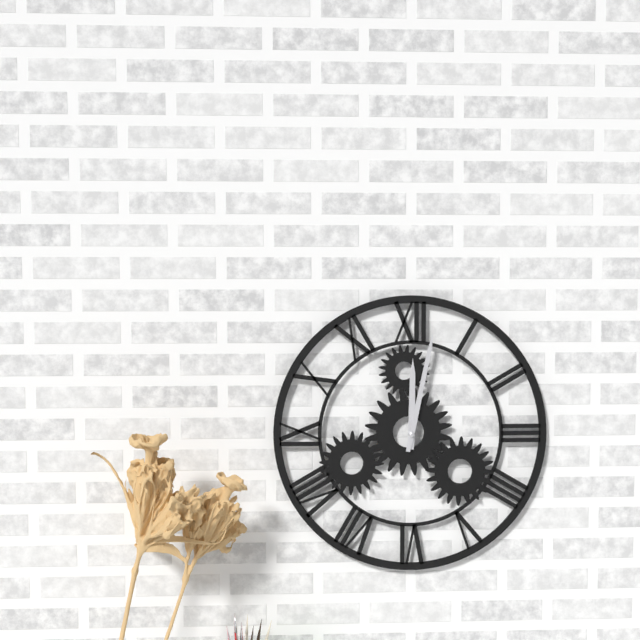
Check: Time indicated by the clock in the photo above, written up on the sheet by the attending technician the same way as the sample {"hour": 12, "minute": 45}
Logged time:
{"hour": 12, "minute": 2}
